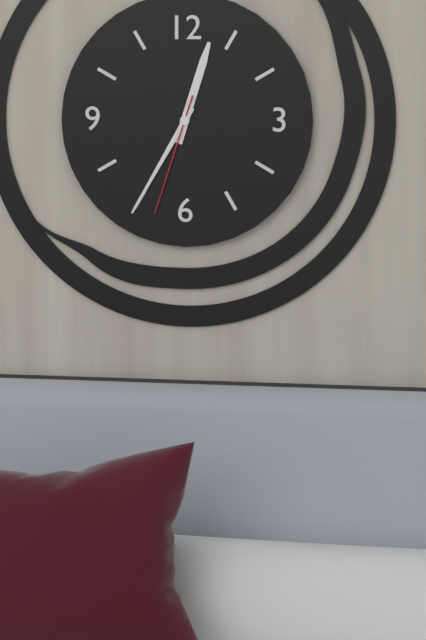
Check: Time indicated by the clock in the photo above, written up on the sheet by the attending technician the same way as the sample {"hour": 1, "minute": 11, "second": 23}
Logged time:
{"hour": 12, "minute": 35, "second": 33}
